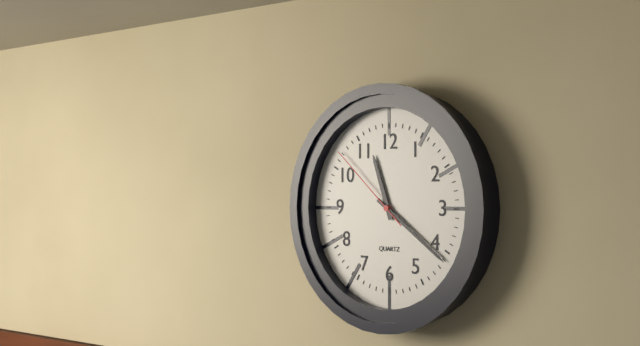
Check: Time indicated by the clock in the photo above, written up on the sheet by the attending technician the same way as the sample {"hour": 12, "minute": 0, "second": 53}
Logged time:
{"hour": 11, "minute": 21, "second": 52}
